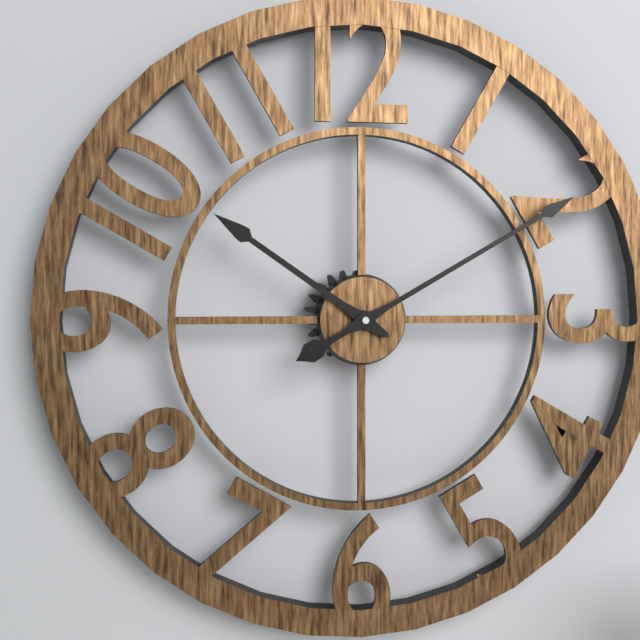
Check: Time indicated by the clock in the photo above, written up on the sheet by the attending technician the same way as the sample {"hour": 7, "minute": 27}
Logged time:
{"hour": 10, "minute": 10}
